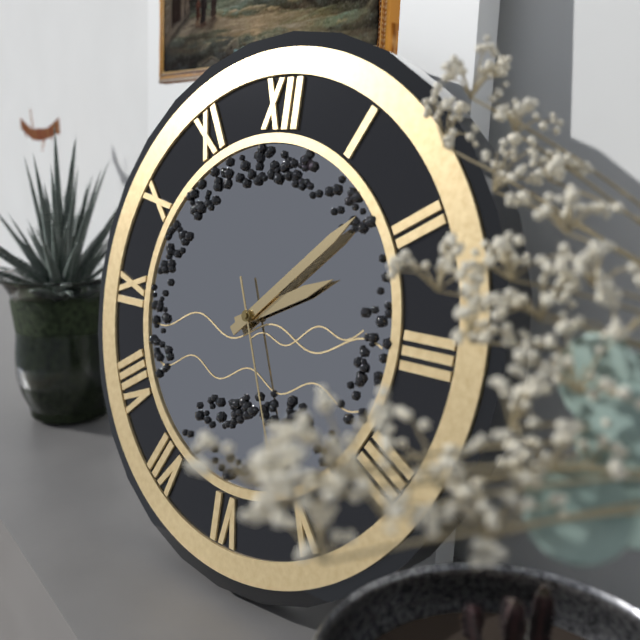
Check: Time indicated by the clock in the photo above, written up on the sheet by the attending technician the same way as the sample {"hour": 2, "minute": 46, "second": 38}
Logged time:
{"hour": 2, "minute": 8, "second": 26}
